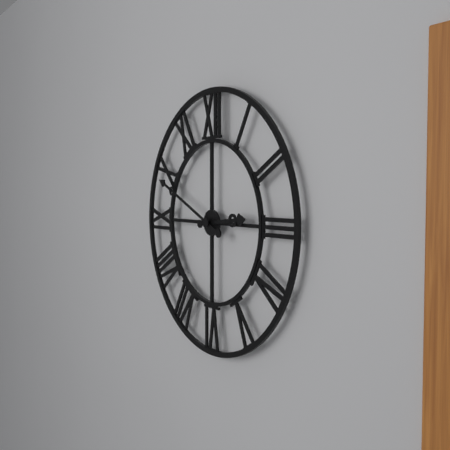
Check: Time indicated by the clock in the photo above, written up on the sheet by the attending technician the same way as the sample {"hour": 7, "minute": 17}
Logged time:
{"hour": 2, "minute": 49}
